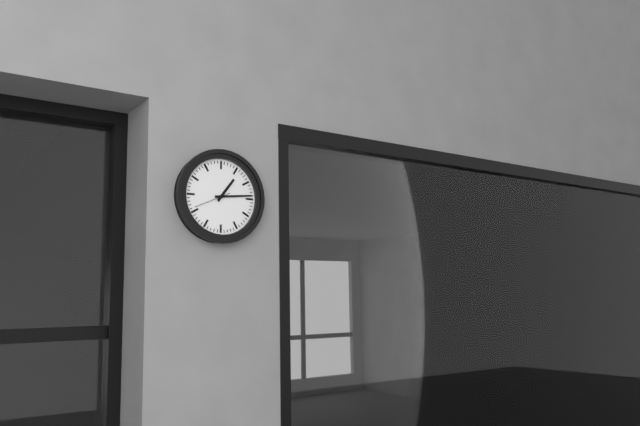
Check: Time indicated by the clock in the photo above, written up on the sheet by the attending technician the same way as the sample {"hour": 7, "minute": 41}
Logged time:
{"hour": 1, "minute": 14}
